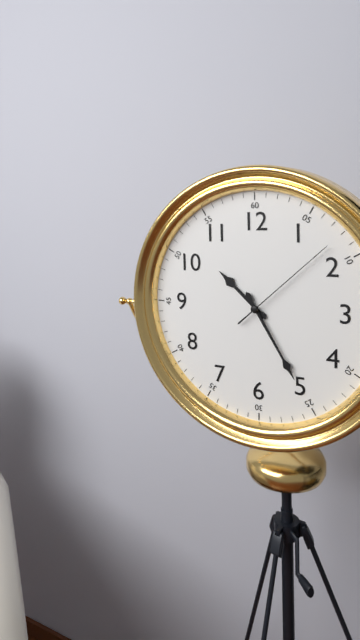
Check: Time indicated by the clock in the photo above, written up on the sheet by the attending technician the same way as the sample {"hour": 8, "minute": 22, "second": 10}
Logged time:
{"hour": 10, "minute": 25, "second": 8}
